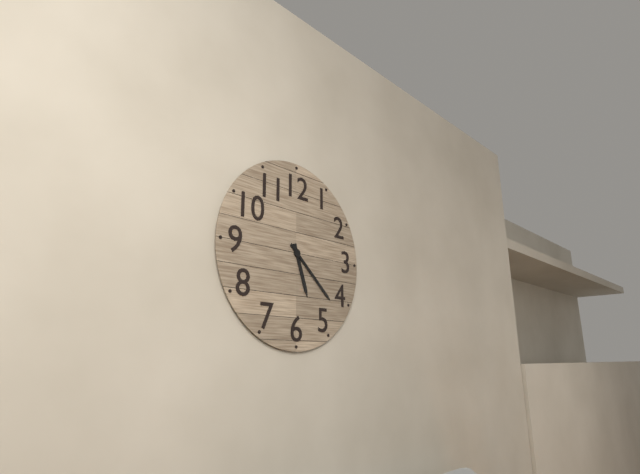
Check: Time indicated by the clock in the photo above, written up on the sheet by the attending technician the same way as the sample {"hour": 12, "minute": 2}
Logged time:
{"hour": 5, "minute": 22}
